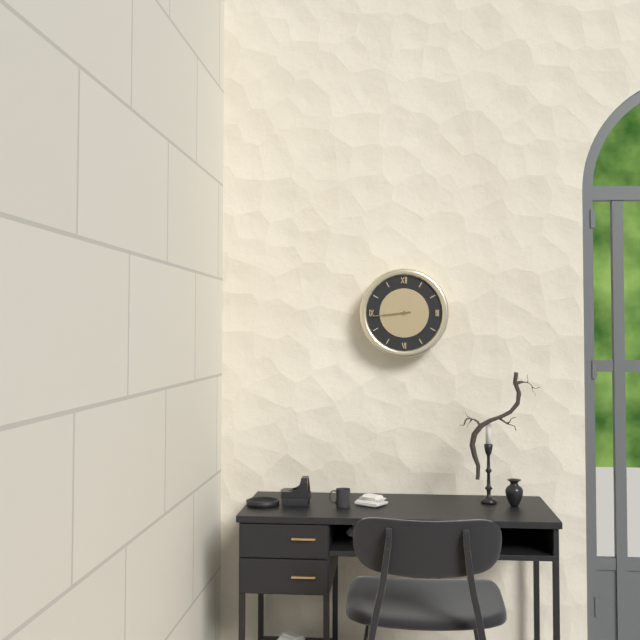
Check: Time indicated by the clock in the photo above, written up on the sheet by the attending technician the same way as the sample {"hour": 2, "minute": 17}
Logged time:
{"hour": 8, "minute": 44}
